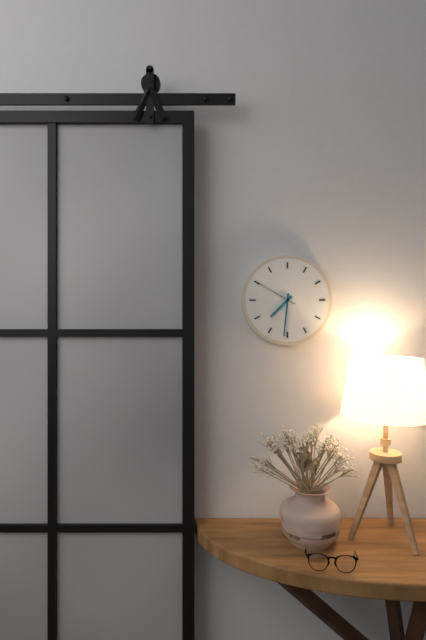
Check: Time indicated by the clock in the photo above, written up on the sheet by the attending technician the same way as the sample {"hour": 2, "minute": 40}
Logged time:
{"hour": 7, "minute": 31}
